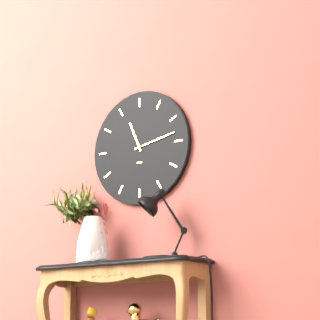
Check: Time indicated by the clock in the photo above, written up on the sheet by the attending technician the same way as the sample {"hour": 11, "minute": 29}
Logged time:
{"hour": 11, "minute": 13}
